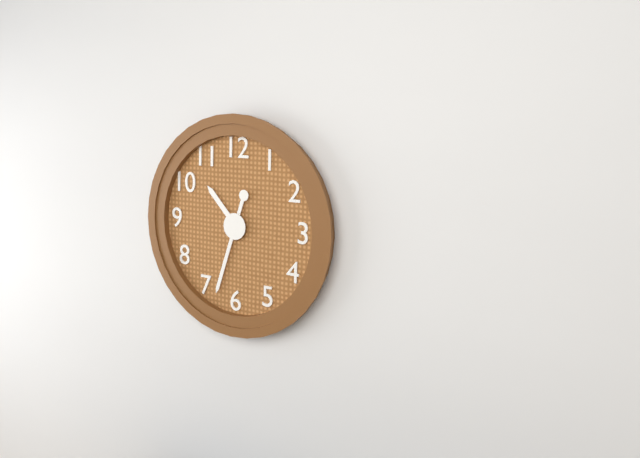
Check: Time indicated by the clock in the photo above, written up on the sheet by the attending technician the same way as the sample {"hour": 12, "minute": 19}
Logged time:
{"hour": 10, "minute": 33}
